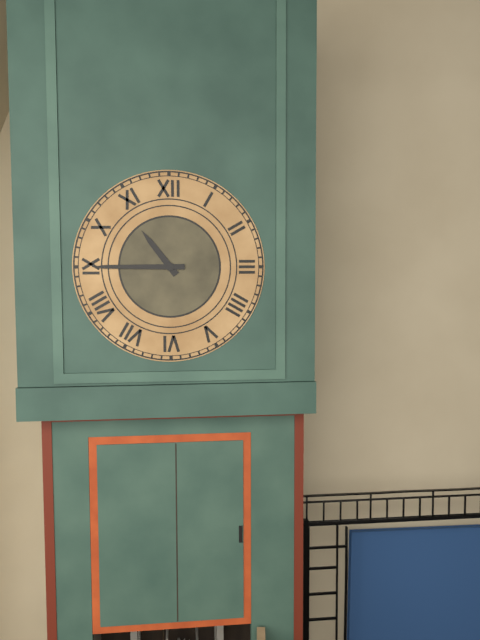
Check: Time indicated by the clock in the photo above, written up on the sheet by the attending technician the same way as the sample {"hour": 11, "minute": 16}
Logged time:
{"hour": 10, "minute": 45}
